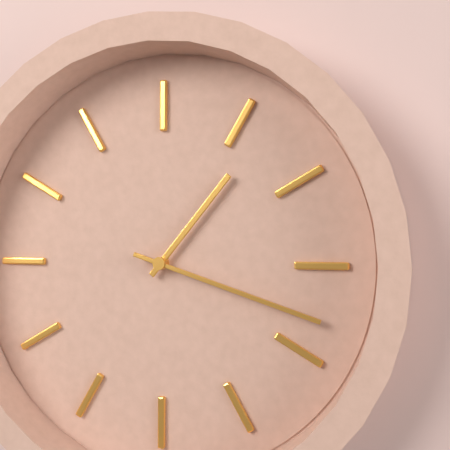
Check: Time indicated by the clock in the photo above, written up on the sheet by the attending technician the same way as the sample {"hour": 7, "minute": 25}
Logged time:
{"hour": 1, "minute": 18}
